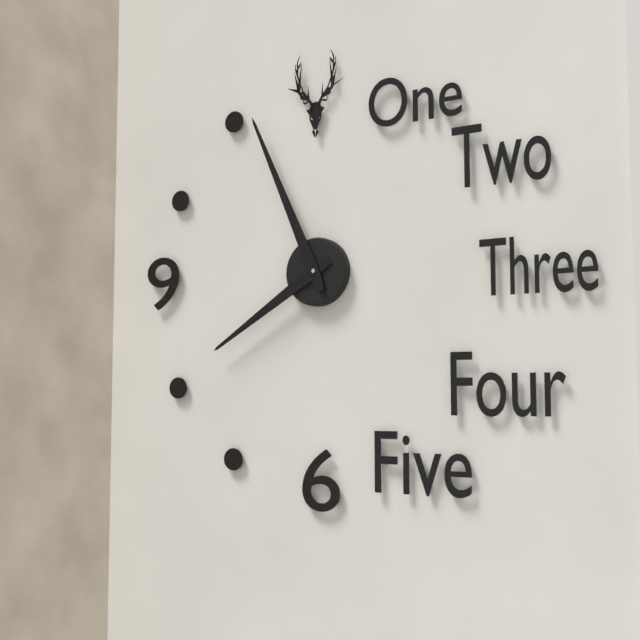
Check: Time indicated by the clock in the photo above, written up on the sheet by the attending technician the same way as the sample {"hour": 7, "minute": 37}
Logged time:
{"hour": 7, "minute": 56}
